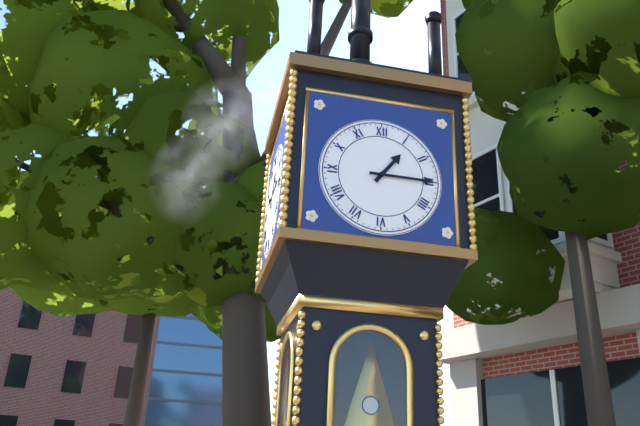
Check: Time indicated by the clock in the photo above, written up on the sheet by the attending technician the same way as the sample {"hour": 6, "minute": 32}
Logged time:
{"hour": 1, "minute": 15}
